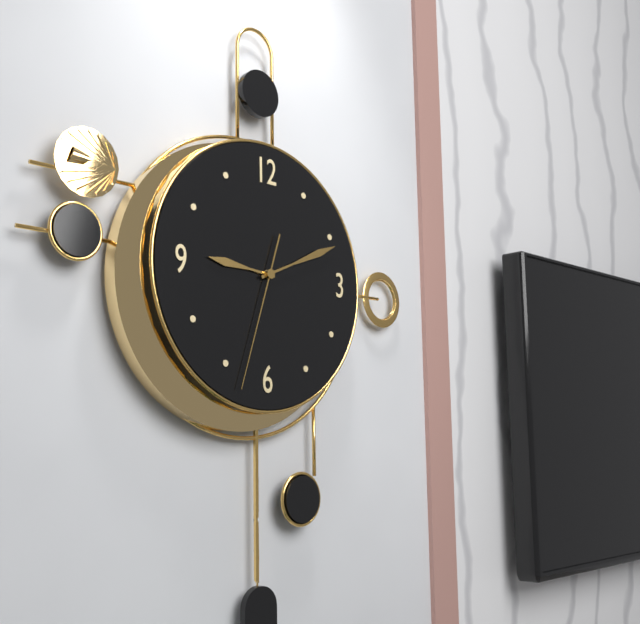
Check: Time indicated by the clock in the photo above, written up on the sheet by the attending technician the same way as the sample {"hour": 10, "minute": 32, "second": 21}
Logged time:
{"hour": 9, "minute": 11, "second": 33}
